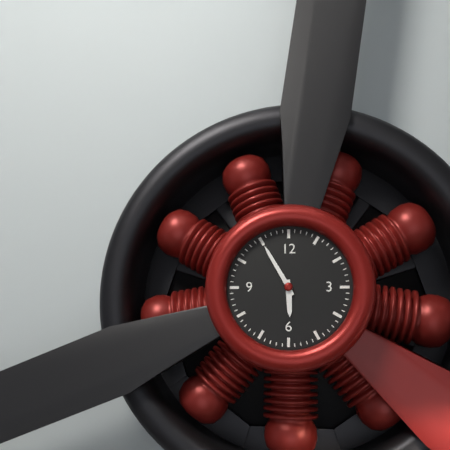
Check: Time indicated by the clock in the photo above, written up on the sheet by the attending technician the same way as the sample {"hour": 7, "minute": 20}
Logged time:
{"hour": 5, "minute": 55}
